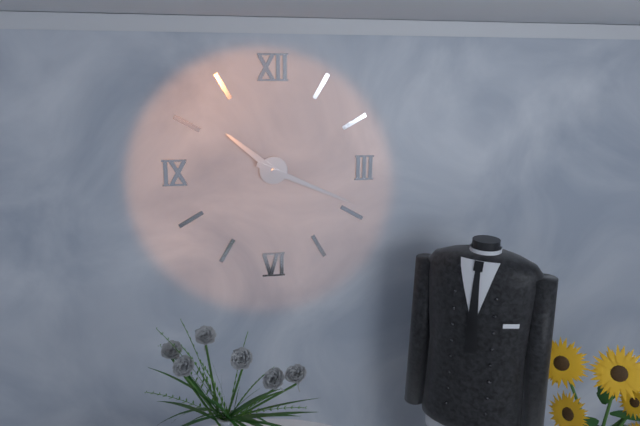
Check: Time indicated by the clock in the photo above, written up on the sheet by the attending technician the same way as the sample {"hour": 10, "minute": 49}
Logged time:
{"hour": 10, "minute": 19}
